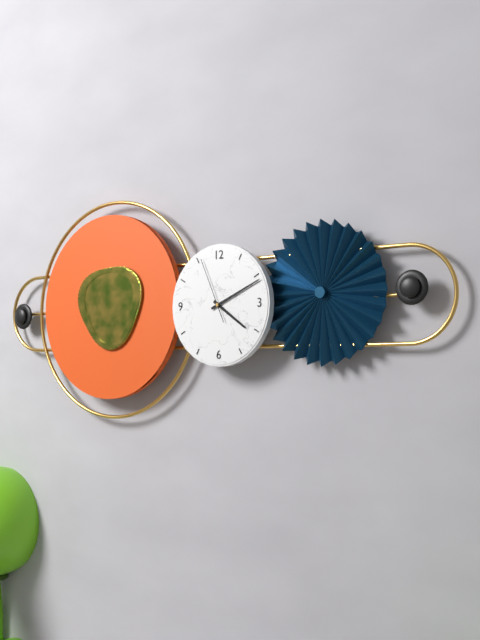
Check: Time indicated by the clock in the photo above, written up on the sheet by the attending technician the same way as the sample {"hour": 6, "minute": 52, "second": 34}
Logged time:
{"hour": 4, "minute": 11, "second": 56}
